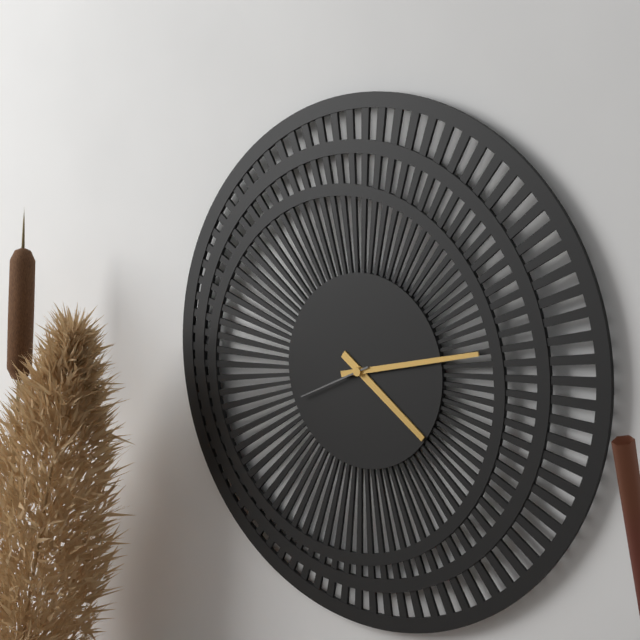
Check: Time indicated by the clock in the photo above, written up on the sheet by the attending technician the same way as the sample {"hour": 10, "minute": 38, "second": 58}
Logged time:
{"hour": 4, "minute": 13, "second": 41}
